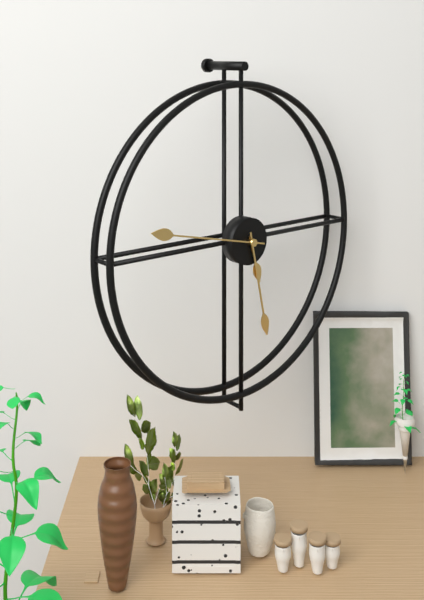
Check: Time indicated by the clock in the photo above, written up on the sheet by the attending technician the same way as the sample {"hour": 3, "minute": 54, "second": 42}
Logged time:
{"hour": 5, "minute": 28, "second": 47}
